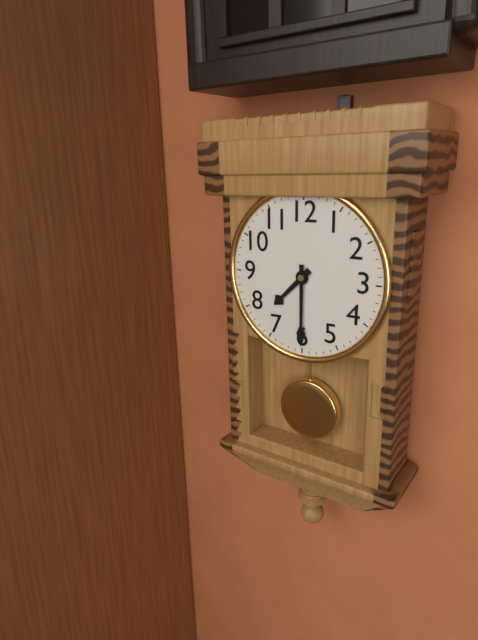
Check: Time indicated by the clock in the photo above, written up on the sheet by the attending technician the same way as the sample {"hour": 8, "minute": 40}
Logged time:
{"hour": 7, "minute": 30}
